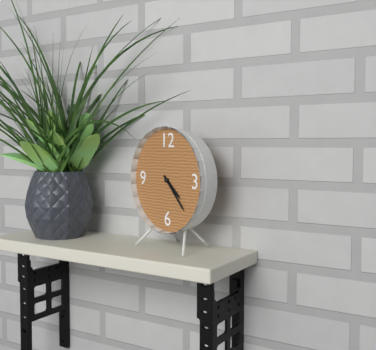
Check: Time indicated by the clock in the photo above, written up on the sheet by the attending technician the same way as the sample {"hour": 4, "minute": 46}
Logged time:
{"hour": 4, "minute": 23}
